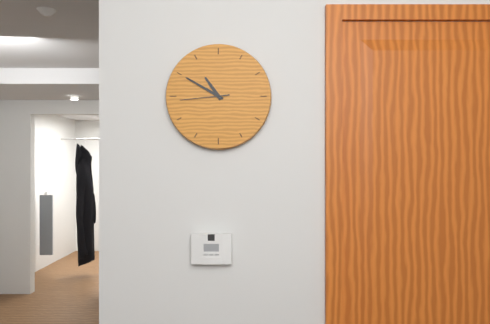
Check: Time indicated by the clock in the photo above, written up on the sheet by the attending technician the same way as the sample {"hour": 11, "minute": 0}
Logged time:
{"hour": 10, "minute": 50}
